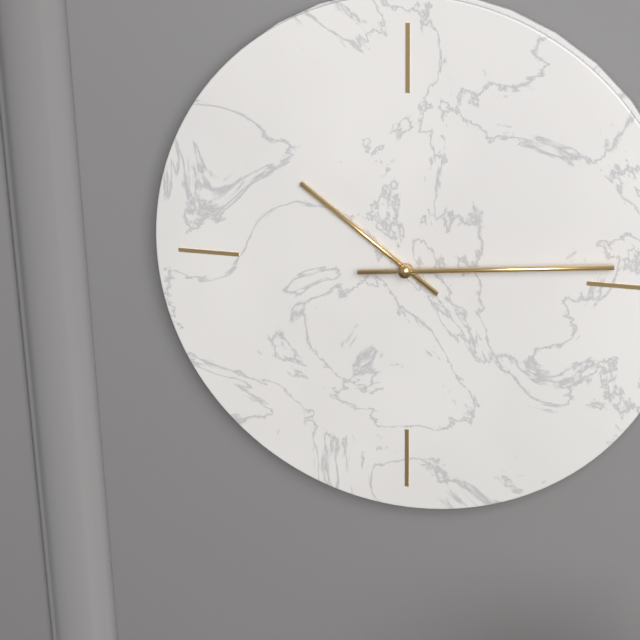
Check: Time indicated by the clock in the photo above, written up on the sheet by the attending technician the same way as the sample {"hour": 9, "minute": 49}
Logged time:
{"hour": 10, "minute": 14}
